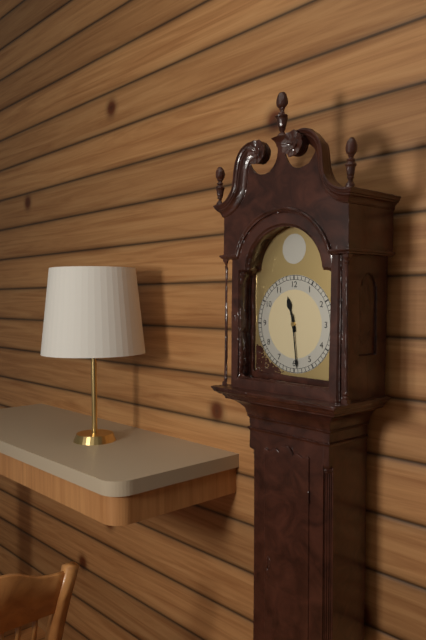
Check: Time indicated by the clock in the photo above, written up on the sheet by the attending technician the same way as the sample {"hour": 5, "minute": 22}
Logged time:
{"hour": 11, "minute": 29}
